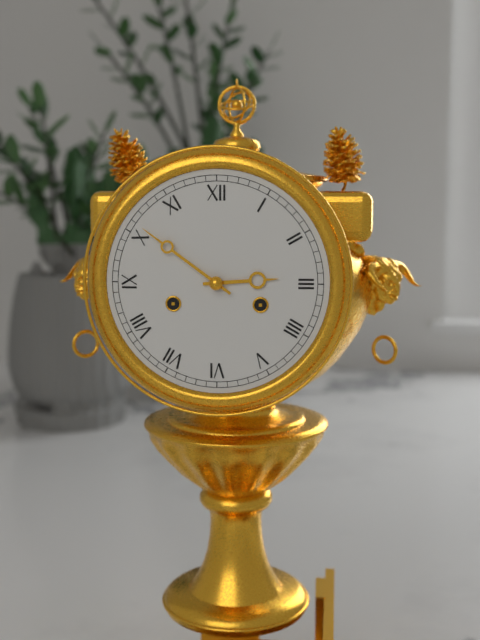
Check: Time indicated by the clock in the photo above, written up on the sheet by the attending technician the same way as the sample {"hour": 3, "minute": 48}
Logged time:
{"hour": 2, "minute": 51}
